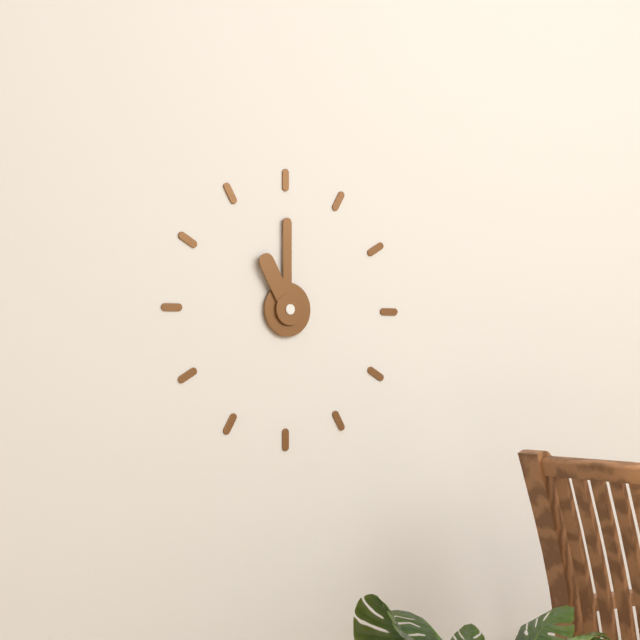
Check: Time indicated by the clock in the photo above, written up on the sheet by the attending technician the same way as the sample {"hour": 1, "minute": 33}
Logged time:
{"hour": 11, "minute": 0}
